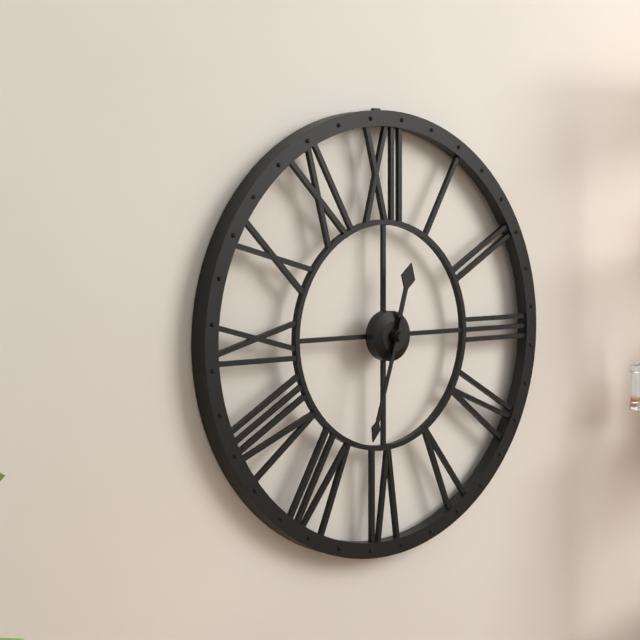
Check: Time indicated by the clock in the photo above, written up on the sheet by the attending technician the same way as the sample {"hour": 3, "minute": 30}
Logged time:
{"hour": 12, "minute": 33}
